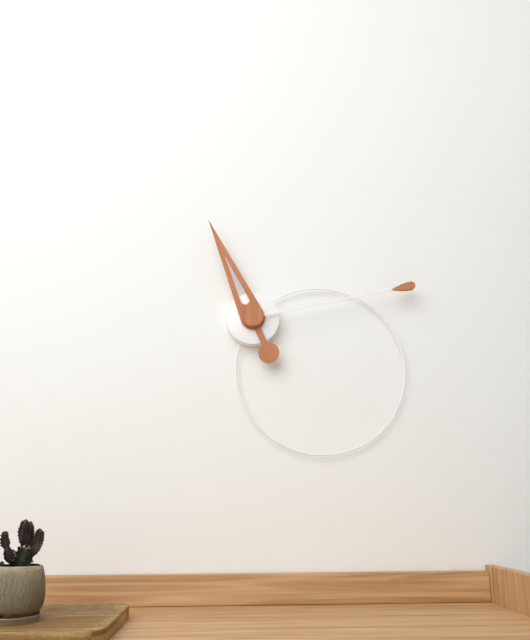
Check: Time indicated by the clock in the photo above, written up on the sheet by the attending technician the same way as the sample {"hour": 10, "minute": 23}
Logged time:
{"hour": 11, "minute": 13}
